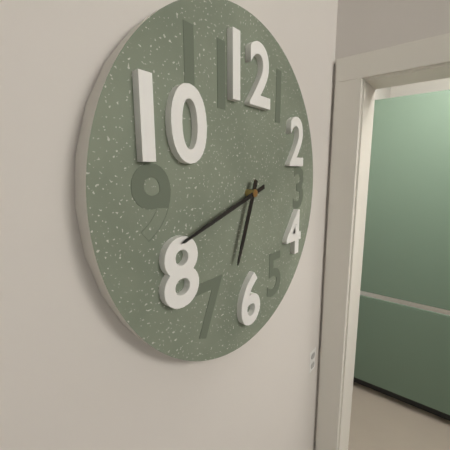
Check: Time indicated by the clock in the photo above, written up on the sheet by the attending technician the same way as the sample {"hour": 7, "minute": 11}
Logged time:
{"hour": 6, "minute": 42}
